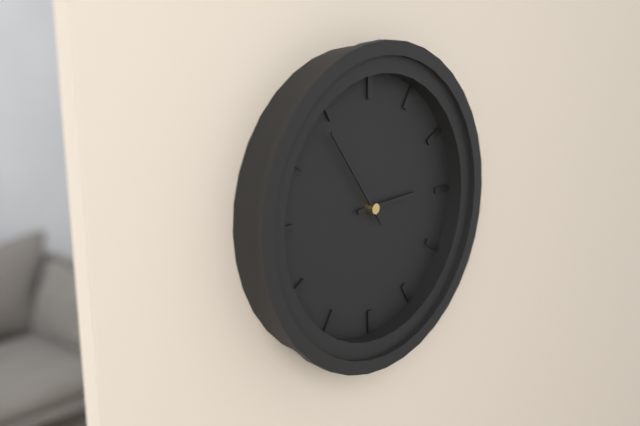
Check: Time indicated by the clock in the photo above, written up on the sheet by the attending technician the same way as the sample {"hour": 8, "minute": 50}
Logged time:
{"hour": 2, "minute": 54}
